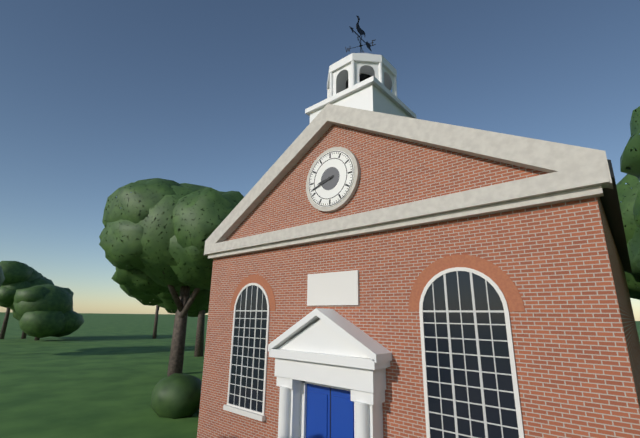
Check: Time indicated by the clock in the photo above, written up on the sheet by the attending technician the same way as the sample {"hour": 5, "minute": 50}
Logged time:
{"hour": 8, "minute": 42}
